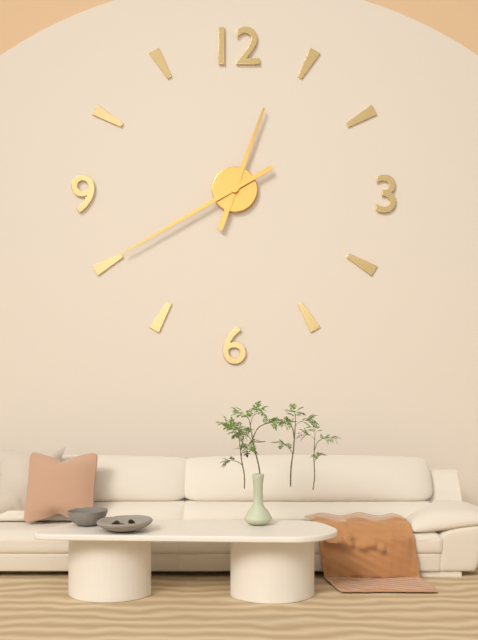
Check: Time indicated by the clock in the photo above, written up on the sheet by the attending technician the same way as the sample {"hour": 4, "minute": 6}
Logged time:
{"hour": 12, "minute": 40}
